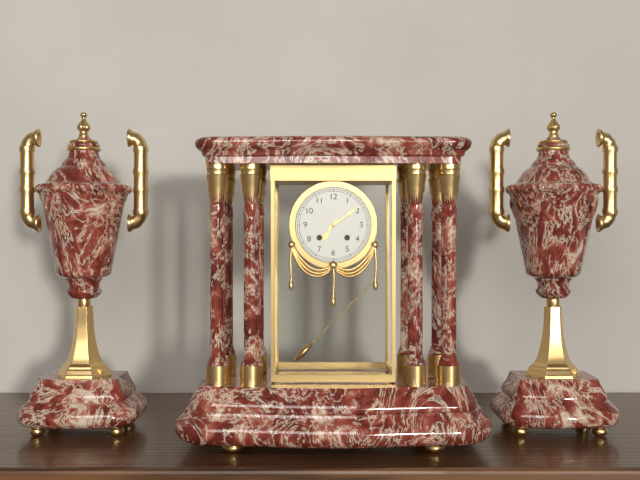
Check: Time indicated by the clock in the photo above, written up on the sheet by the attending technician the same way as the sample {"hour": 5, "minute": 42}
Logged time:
{"hour": 7, "minute": 9}
